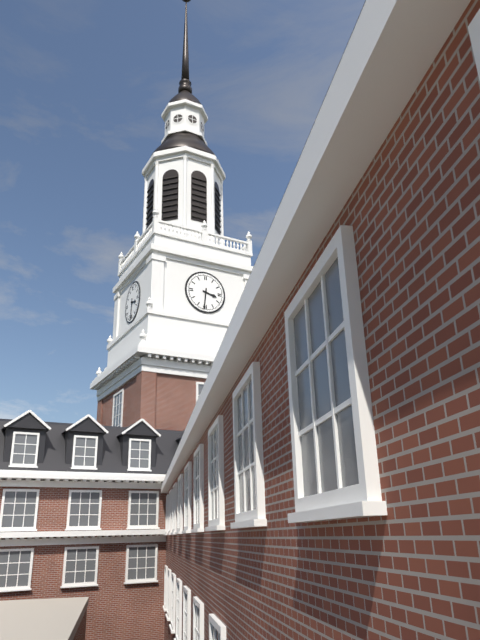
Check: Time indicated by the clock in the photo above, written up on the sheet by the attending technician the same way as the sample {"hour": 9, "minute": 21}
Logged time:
{"hour": 3, "minute": 31}
